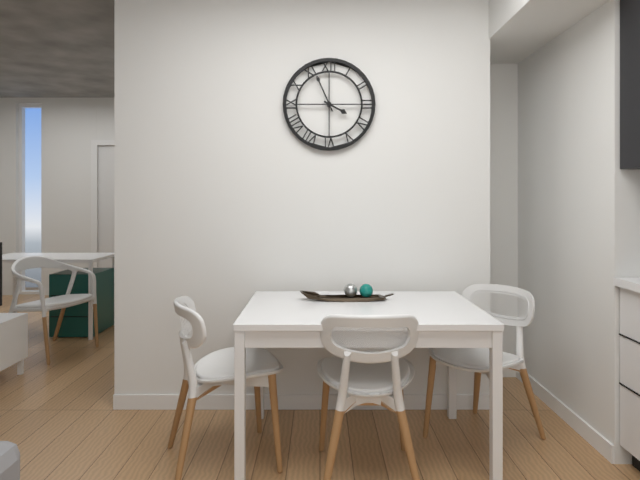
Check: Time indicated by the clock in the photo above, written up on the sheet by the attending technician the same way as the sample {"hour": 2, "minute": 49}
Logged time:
{"hour": 3, "minute": 56}
